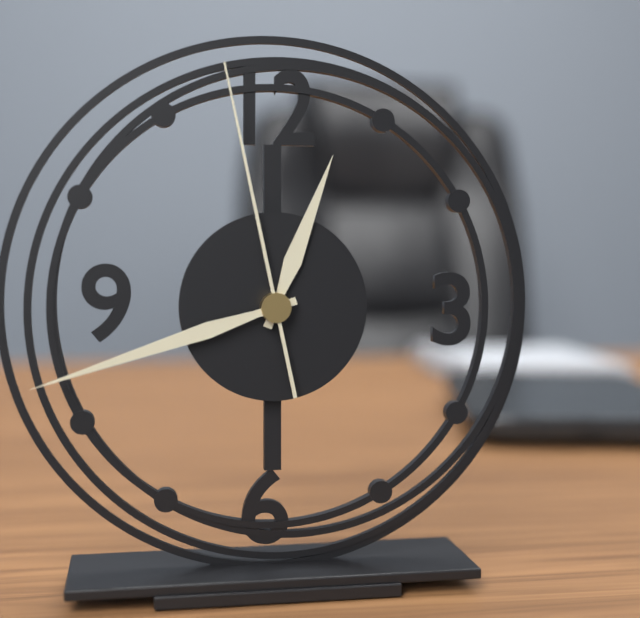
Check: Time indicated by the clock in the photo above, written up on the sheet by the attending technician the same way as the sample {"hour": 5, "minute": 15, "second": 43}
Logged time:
{"hour": 12, "minute": 42, "second": 58}
